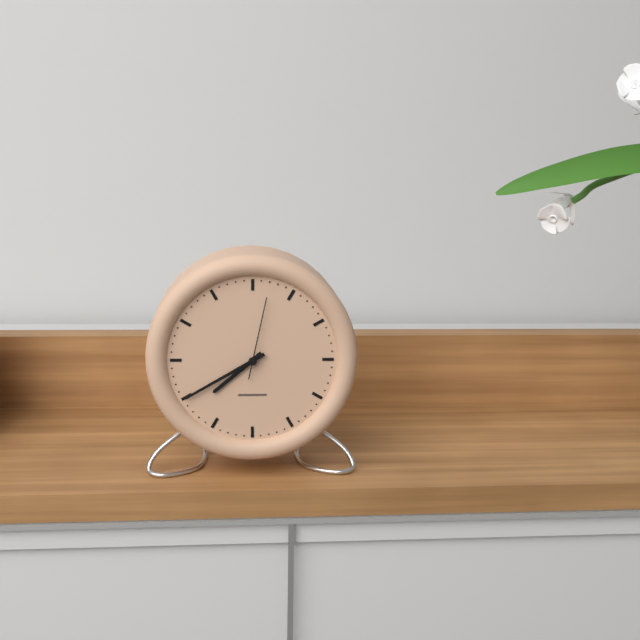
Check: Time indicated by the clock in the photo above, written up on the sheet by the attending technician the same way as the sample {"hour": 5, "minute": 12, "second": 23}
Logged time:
{"hour": 7, "minute": 40, "second": 2}
